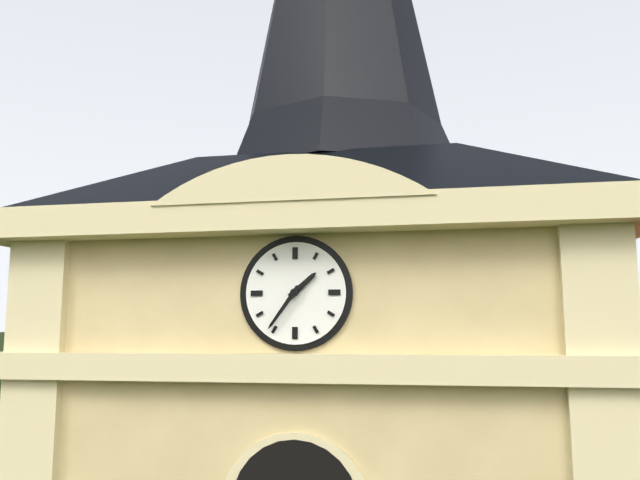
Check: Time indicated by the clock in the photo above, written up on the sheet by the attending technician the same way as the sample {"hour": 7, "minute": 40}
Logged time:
{"hour": 1, "minute": 36}
